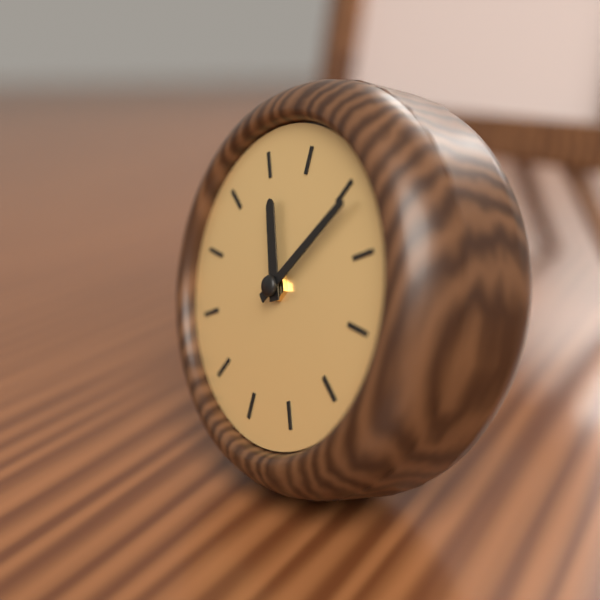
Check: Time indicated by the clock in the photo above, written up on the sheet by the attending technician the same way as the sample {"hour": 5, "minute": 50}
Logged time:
{"hour": 11, "minute": 6}
